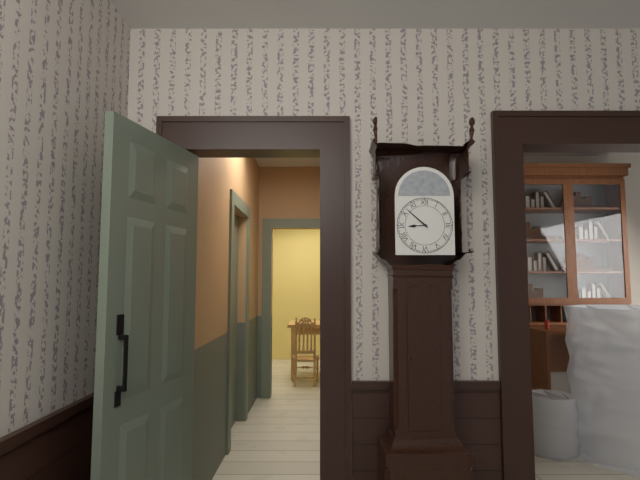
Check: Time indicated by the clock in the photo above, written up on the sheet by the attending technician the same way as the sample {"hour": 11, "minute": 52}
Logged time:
{"hour": 8, "minute": 52}
